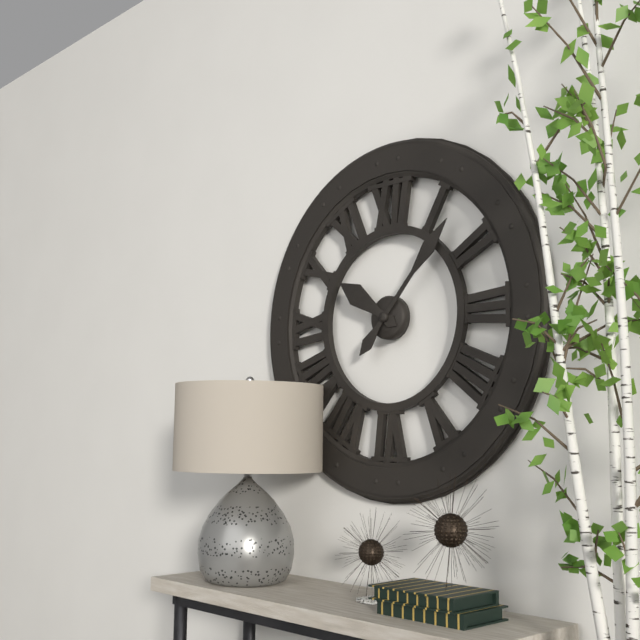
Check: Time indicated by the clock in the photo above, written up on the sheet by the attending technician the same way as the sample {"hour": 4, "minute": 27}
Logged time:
{"hour": 10, "minute": 7}
